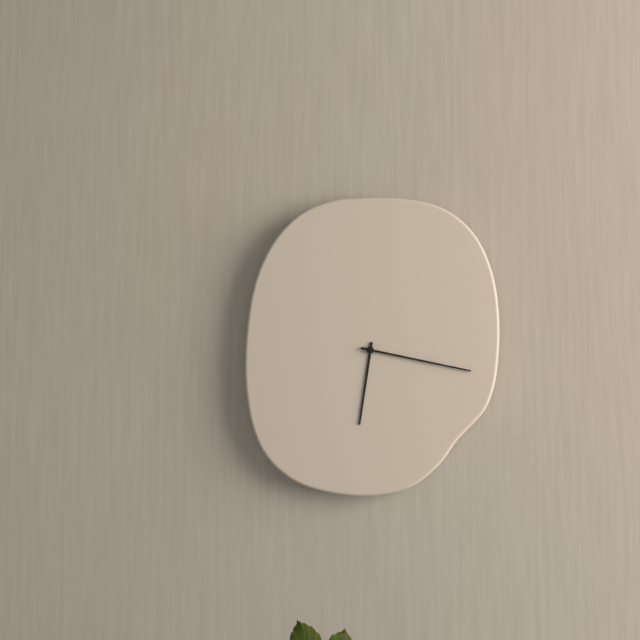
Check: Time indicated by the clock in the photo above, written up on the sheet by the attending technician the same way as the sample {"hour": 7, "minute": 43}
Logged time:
{"hour": 6, "minute": 17}
